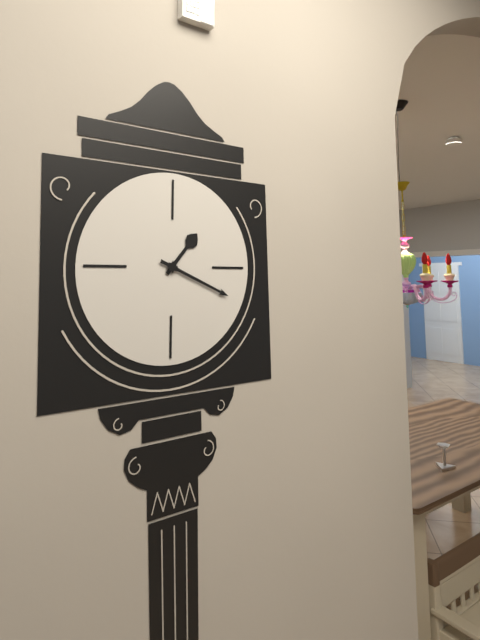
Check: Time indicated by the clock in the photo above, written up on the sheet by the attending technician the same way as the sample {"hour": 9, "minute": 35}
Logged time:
{"hour": 1, "minute": 19}
